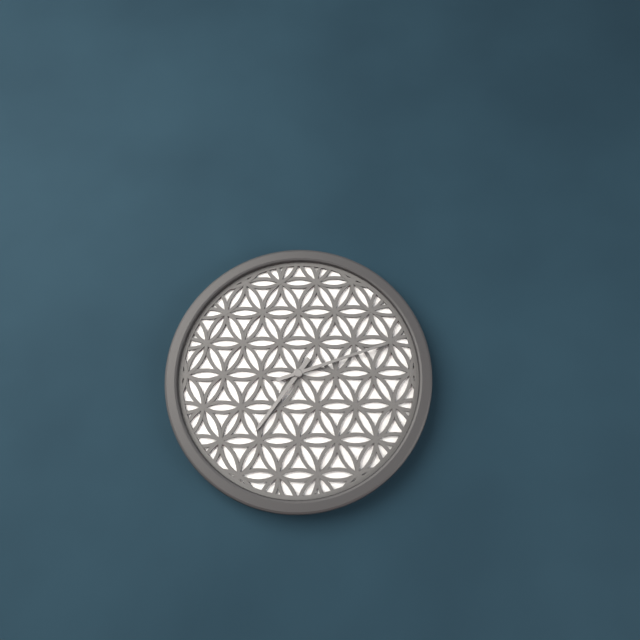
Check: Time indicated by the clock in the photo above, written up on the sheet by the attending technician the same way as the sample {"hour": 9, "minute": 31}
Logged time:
{"hour": 7, "minute": 12}
